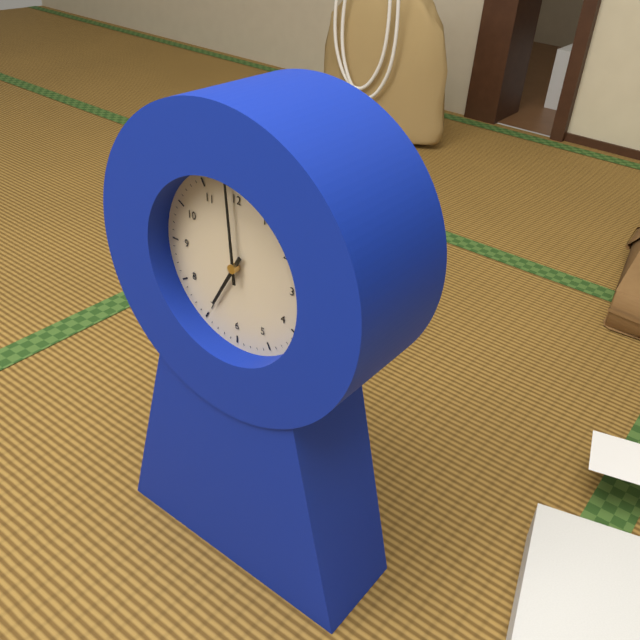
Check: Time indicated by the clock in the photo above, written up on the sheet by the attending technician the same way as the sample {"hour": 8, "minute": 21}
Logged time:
{"hour": 6, "minute": 59}
